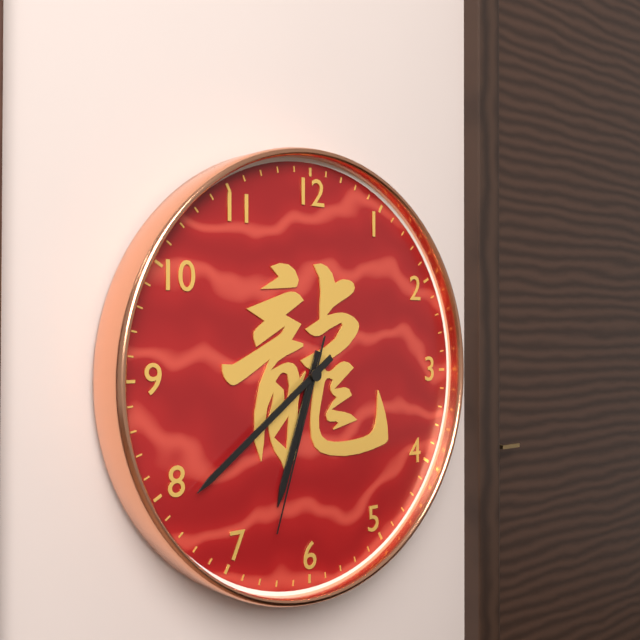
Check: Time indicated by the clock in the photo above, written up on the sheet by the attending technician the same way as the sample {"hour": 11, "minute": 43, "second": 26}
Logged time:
{"hour": 6, "minute": 39, "second": 33}
